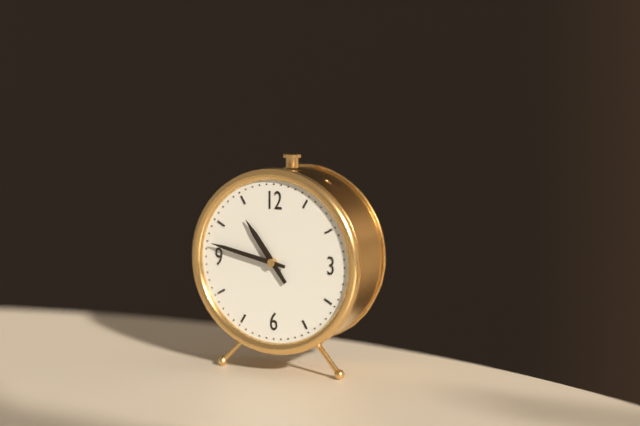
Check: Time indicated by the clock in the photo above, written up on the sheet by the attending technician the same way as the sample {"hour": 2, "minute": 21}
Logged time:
{"hour": 10, "minute": 47}
